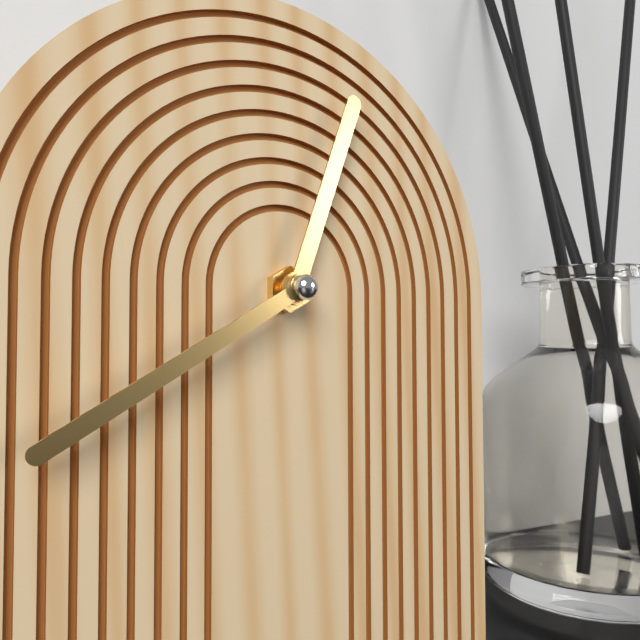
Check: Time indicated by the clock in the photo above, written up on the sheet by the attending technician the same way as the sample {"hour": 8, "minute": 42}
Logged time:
{"hour": 12, "minute": 40}
